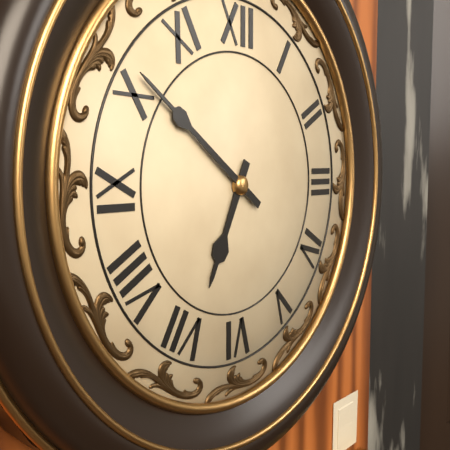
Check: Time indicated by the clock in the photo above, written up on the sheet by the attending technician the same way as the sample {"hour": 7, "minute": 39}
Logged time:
{"hour": 6, "minute": 51}
